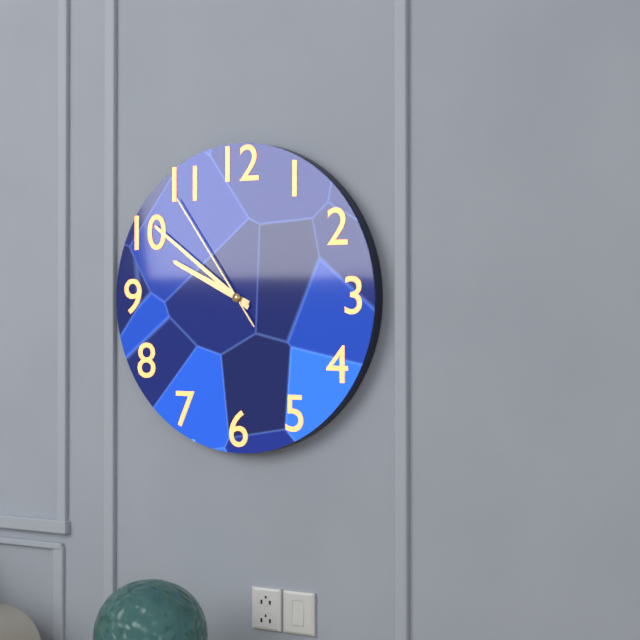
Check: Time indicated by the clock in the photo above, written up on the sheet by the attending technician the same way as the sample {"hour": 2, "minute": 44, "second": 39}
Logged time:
{"hour": 9, "minute": 51, "second": 54}
